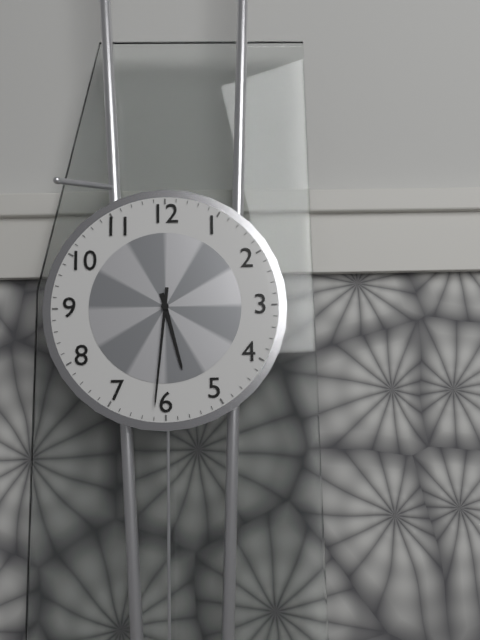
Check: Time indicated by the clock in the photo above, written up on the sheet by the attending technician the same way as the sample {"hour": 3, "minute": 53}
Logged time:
{"hour": 5, "minute": 31}
